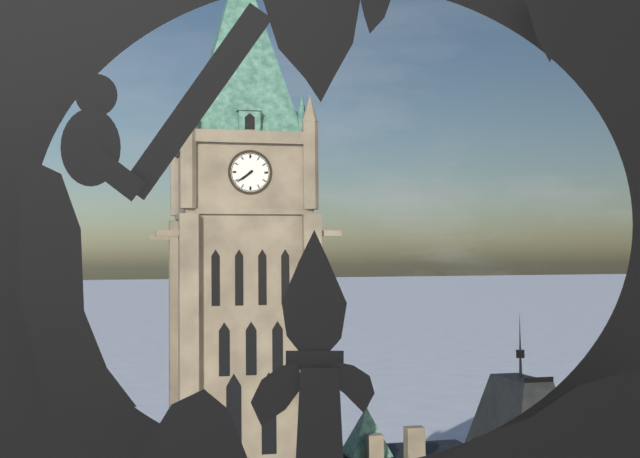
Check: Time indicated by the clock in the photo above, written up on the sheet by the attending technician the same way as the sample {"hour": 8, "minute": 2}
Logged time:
{"hour": 7, "minute": 39}
